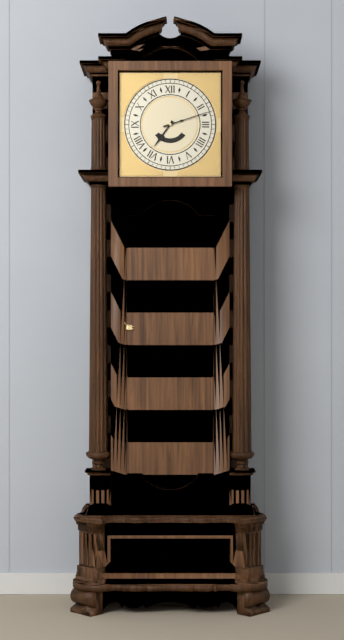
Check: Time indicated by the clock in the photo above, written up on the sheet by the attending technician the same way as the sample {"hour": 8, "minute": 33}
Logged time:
{"hour": 7, "minute": 12}
